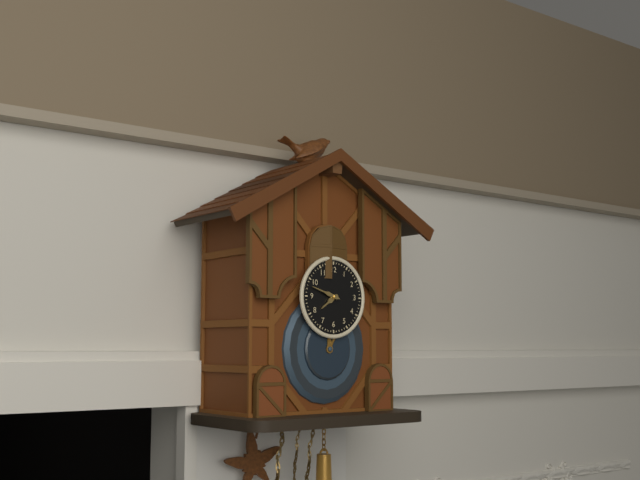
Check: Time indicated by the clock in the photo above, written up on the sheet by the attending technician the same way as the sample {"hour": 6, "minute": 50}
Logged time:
{"hour": 7, "minute": 48}
